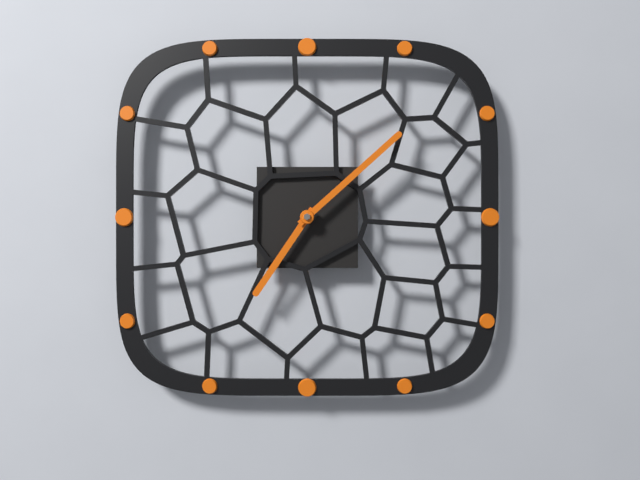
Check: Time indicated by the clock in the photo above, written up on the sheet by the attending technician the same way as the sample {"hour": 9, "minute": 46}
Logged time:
{"hour": 7, "minute": 8}
